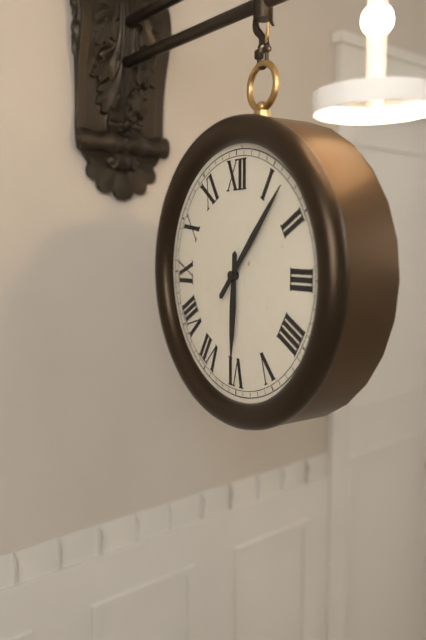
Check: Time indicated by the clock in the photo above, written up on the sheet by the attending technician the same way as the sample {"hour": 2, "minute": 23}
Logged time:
{"hour": 6, "minute": 7}
